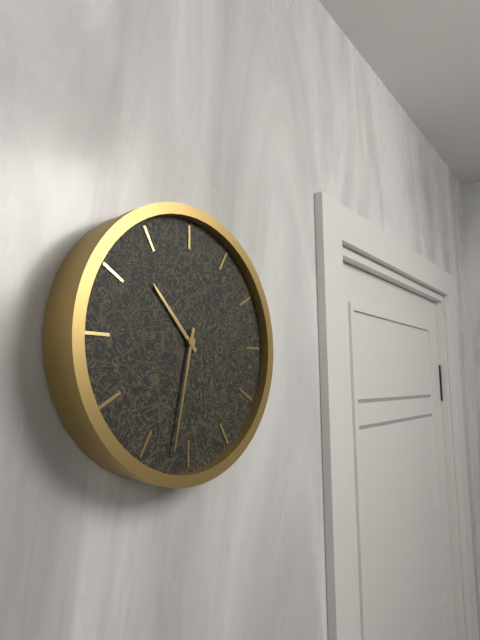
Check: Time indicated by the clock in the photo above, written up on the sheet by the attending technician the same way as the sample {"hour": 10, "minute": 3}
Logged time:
{"hour": 10, "minute": 32}
